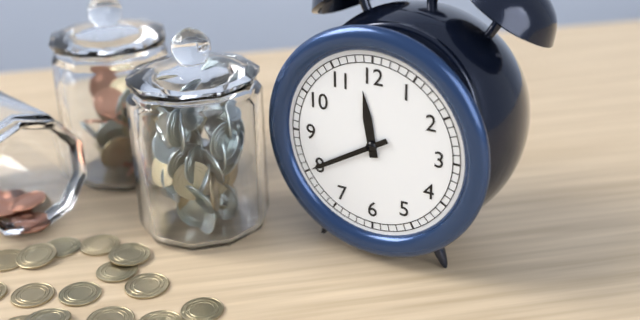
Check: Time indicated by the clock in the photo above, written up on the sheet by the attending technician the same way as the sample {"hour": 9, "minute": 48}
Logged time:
{"hour": 11, "minute": 40}
